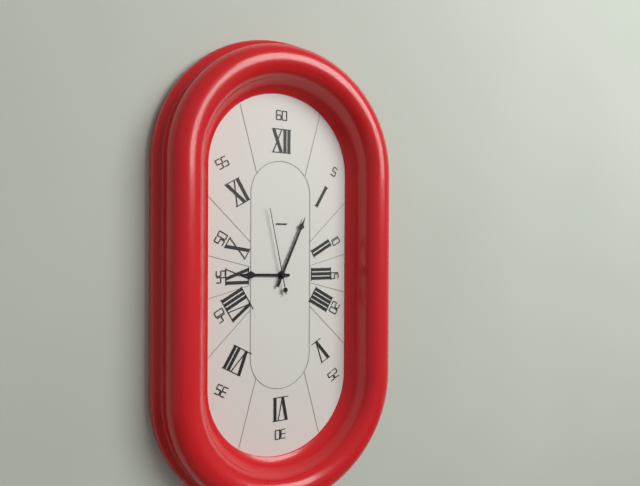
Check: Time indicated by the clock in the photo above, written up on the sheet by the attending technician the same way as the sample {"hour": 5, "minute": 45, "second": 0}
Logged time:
{"hour": 9, "minute": 4, "second": 58}
